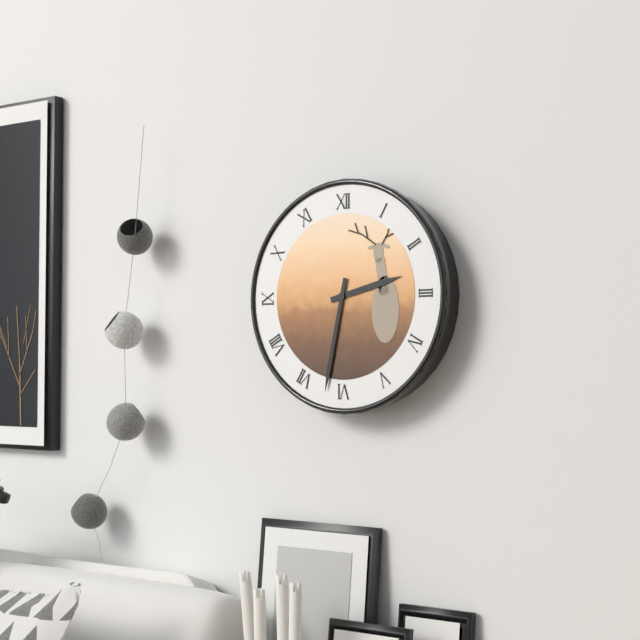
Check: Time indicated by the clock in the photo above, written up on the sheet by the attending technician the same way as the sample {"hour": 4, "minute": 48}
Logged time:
{"hour": 2, "minute": 32}
